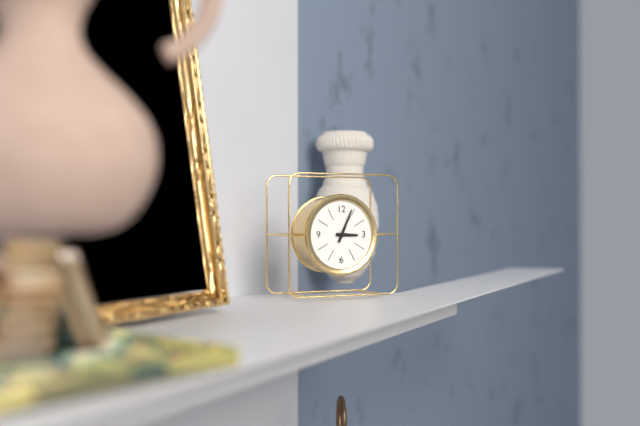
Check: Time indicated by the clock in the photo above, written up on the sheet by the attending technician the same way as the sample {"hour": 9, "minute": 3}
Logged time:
{"hour": 3, "minute": 4}
